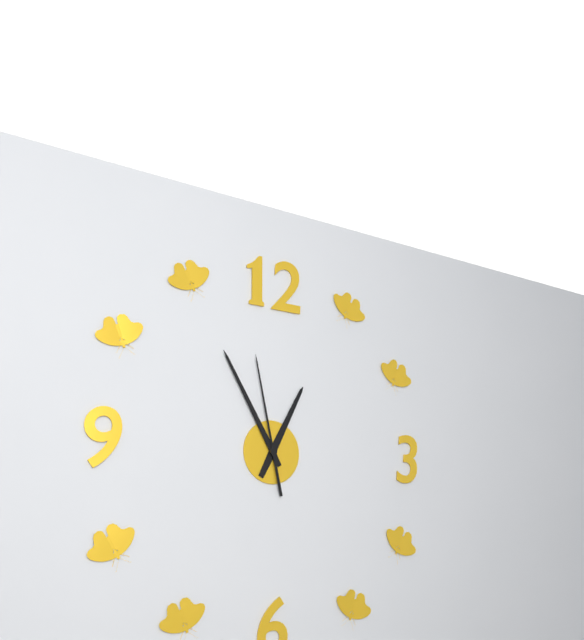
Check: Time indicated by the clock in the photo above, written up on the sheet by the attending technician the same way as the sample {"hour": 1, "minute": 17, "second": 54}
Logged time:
{"hour": 12, "minute": 55, "second": 58}
